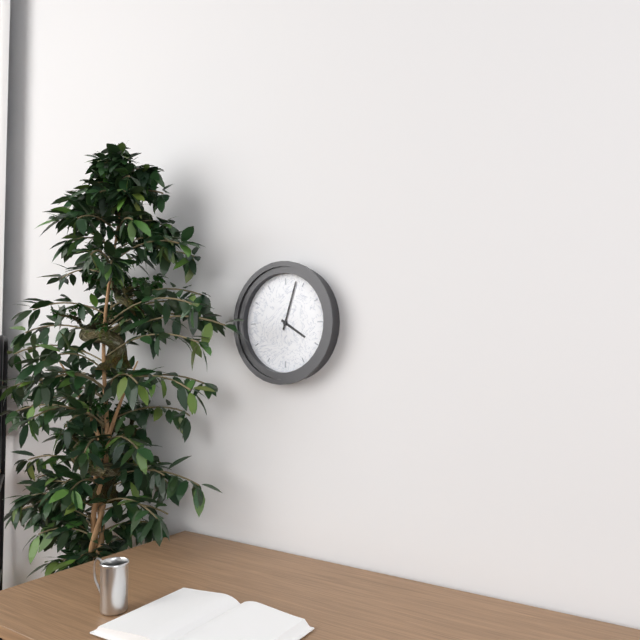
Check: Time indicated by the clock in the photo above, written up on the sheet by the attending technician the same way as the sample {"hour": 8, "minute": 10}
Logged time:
{"hour": 4, "minute": 3}
